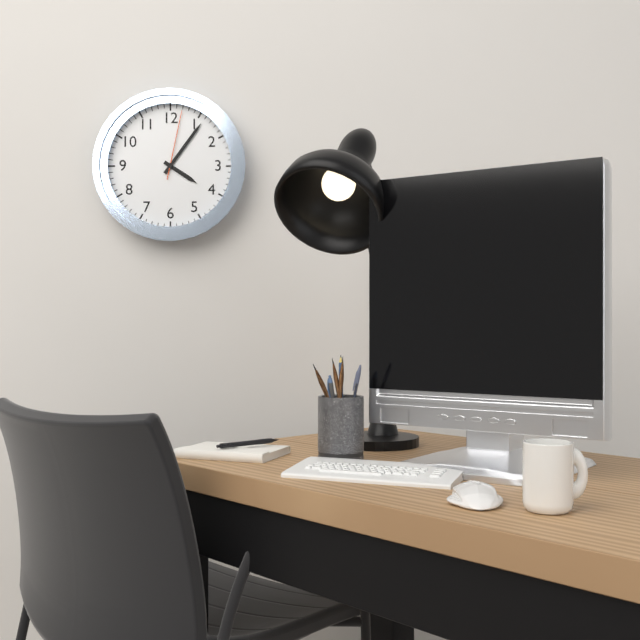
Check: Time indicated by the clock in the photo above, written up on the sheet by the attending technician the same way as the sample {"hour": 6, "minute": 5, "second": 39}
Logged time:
{"hour": 4, "minute": 6, "second": 2}
